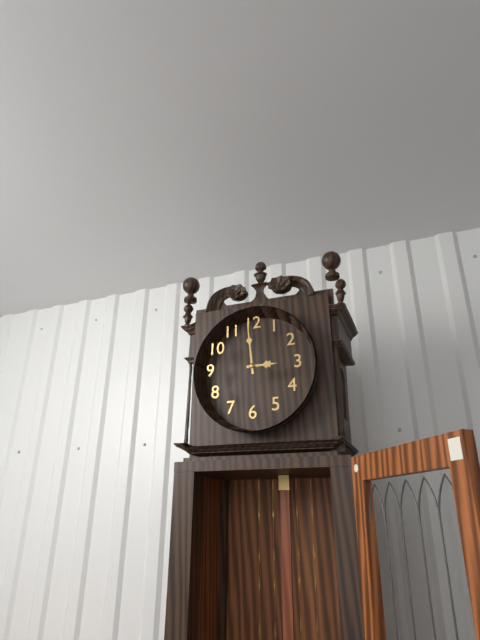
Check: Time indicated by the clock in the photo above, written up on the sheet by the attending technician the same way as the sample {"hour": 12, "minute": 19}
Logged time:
{"hour": 2, "minute": 59}
